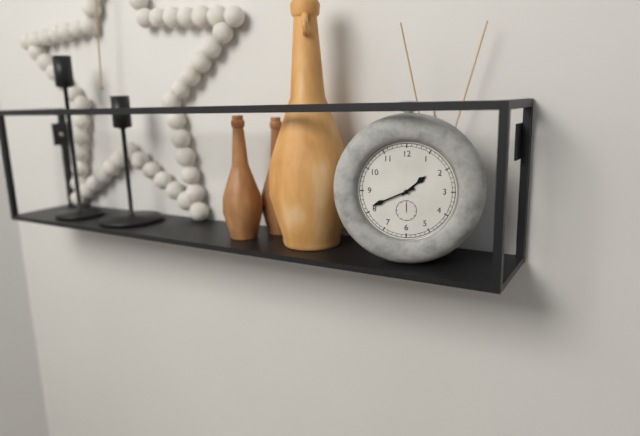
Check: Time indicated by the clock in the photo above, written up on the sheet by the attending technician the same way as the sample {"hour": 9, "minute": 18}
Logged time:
{"hour": 1, "minute": 41}
